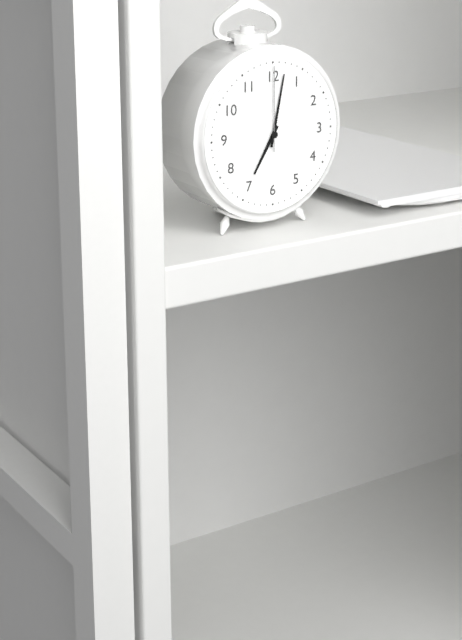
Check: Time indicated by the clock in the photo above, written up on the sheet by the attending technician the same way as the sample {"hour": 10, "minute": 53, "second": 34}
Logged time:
{"hour": 7, "minute": 2, "second": 0}
